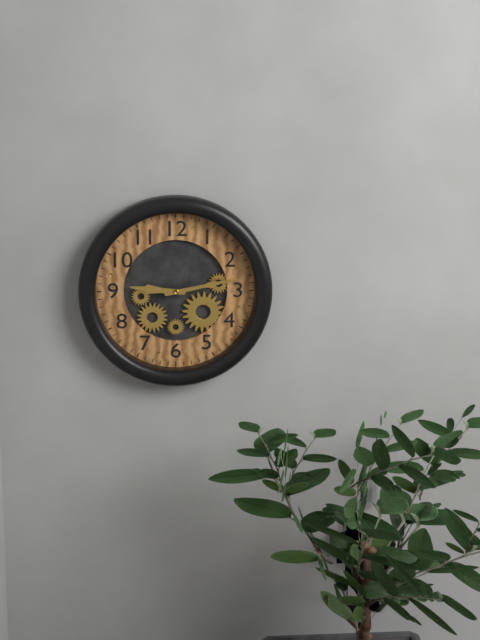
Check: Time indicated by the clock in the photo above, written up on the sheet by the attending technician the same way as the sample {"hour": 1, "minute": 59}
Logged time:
{"hour": 9, "minute": 13}
